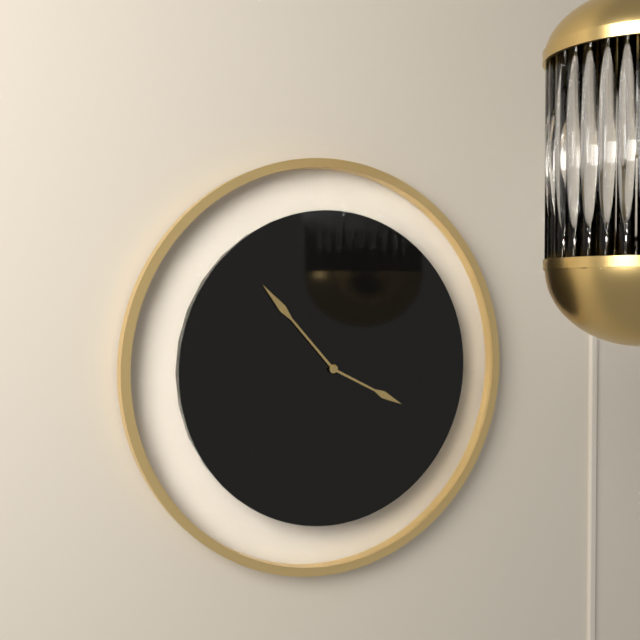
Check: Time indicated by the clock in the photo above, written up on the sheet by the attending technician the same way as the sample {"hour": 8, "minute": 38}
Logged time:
{"hour": 3, "minute": 53}
